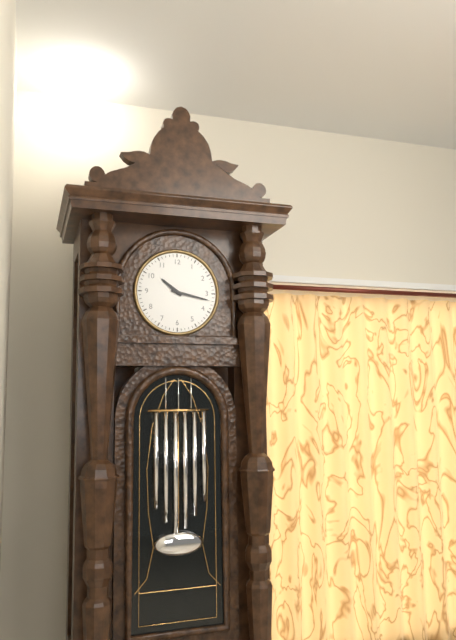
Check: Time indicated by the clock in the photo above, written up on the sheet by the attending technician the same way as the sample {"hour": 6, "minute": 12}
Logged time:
{"hour": 10, "minute": 17}
